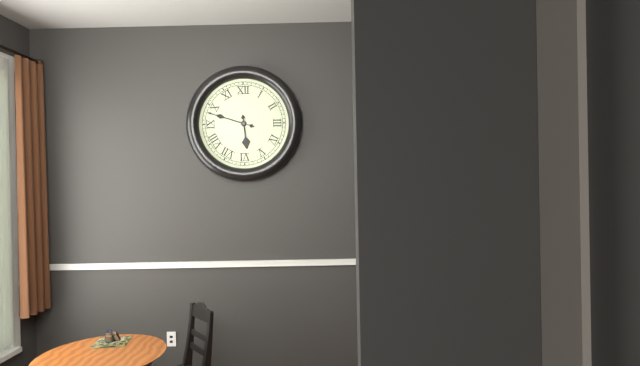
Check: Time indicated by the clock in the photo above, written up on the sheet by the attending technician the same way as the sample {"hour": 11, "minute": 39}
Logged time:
{"hour": 5, "minute": 48}
